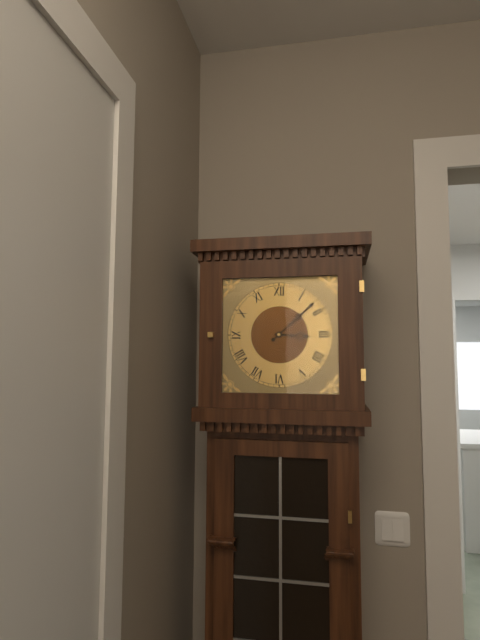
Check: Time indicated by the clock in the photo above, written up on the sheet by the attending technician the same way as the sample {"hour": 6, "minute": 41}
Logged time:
{"hour": 3, "minute": 8}
